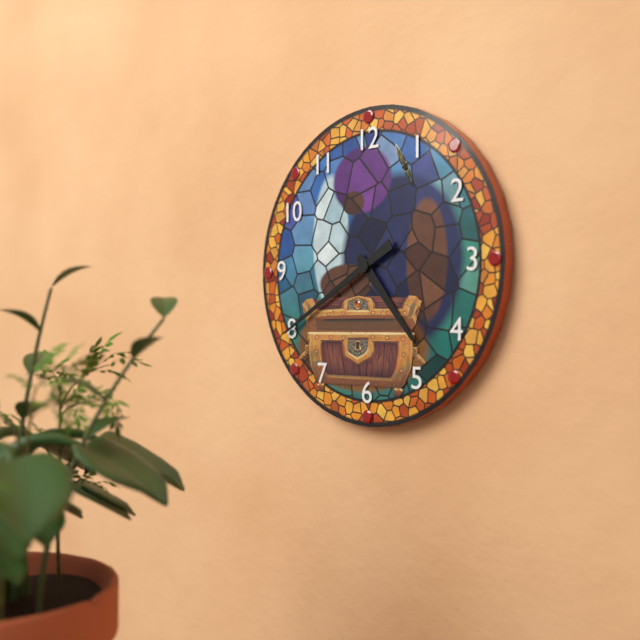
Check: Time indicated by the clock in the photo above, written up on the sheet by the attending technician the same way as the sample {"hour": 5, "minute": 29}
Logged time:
{"hour": 4, "minute": 40}
